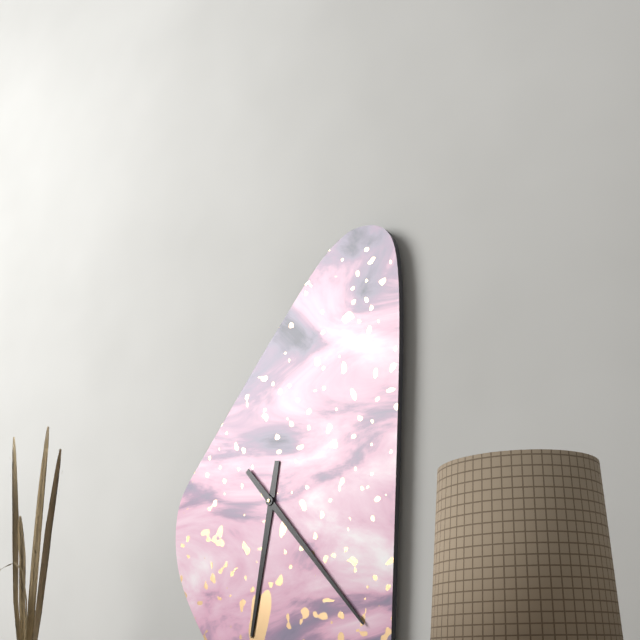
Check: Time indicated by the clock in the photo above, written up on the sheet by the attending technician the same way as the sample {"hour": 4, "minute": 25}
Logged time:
{"hour": 6, "minute": 23}
